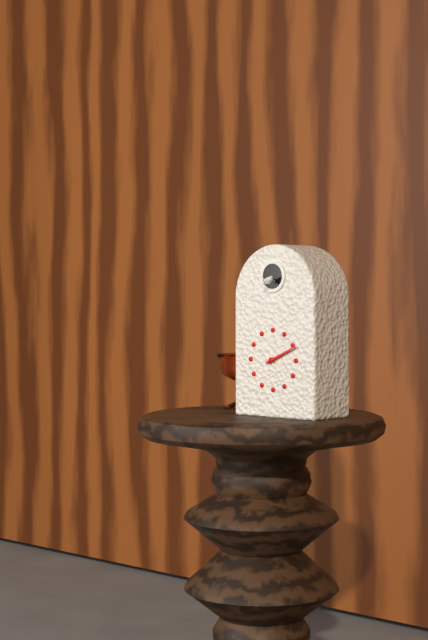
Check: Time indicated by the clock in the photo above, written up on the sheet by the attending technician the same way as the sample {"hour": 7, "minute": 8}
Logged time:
{"hour": 2, "minute": 11}
